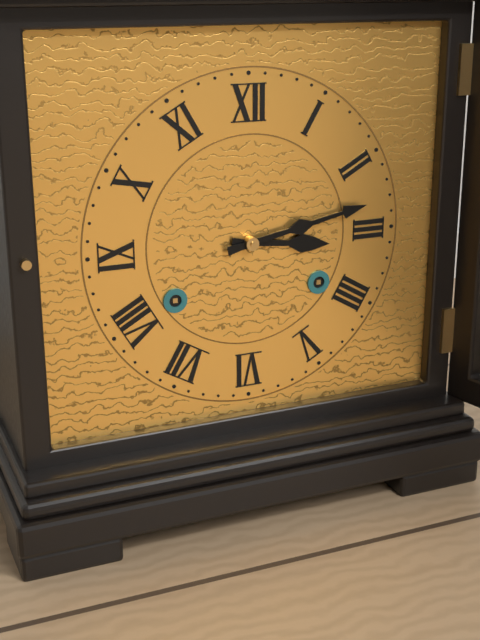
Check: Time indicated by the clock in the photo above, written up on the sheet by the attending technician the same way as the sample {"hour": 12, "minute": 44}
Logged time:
{"hour": 3, "minute": 13}
